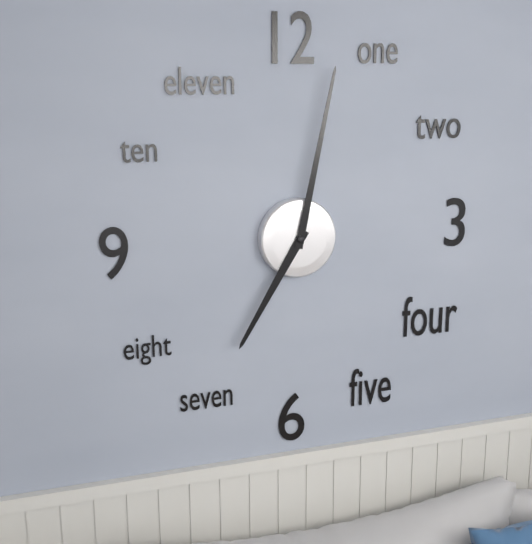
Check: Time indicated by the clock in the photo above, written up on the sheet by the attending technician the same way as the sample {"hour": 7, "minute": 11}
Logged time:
{"hour": 7, "minute": 2}
